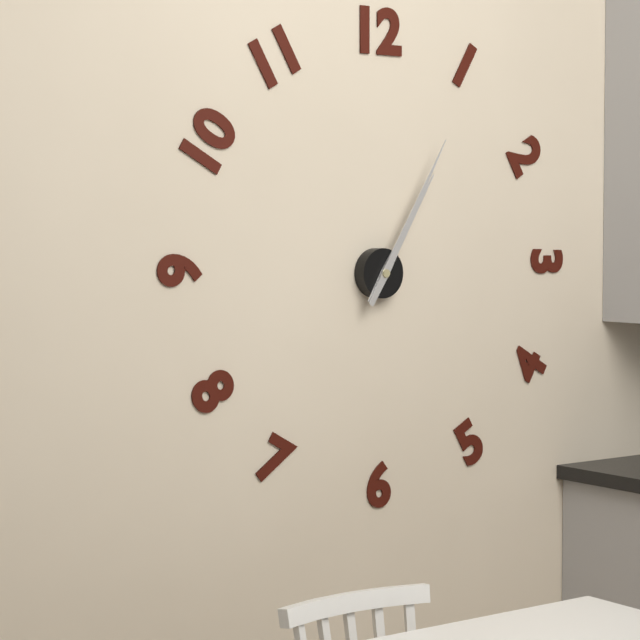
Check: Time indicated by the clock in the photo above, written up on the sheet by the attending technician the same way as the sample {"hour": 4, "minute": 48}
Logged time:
{"hour": 1, "minute": 5}
